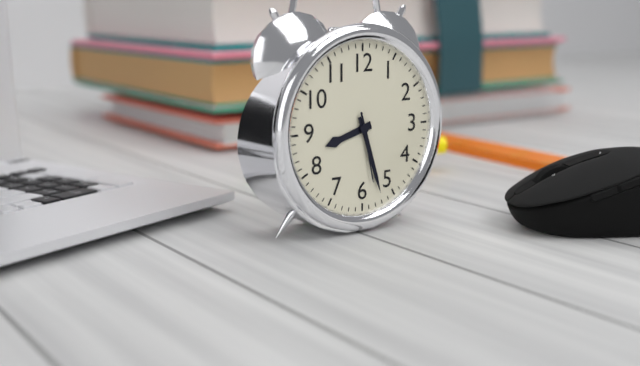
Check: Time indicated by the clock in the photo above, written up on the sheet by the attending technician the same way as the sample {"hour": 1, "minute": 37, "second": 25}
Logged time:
{"hour": 8, "minute": 27, "second": 28}
